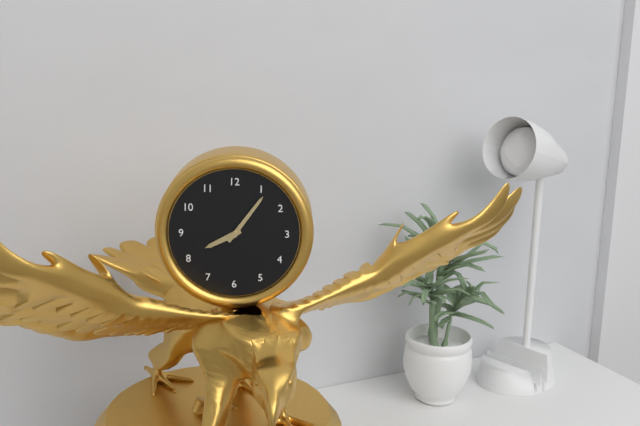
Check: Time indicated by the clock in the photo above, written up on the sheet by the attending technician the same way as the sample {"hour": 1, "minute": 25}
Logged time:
{"hour": 8, "minute": 6}
